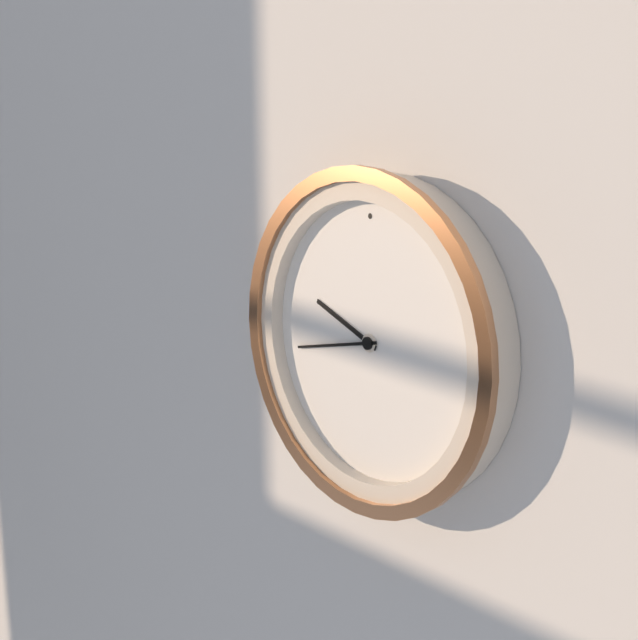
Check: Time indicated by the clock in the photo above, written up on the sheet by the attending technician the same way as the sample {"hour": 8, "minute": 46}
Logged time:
{"hour": 9, "minute": 43}
